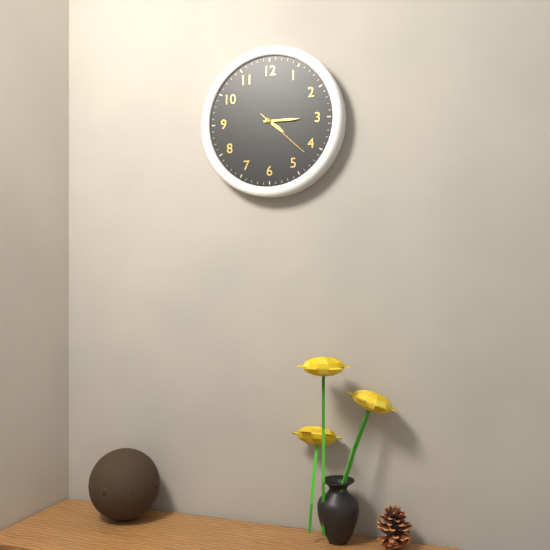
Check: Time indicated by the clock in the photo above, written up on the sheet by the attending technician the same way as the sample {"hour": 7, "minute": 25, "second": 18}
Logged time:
{"hour": 4, "minute": 15, "second": 22}
